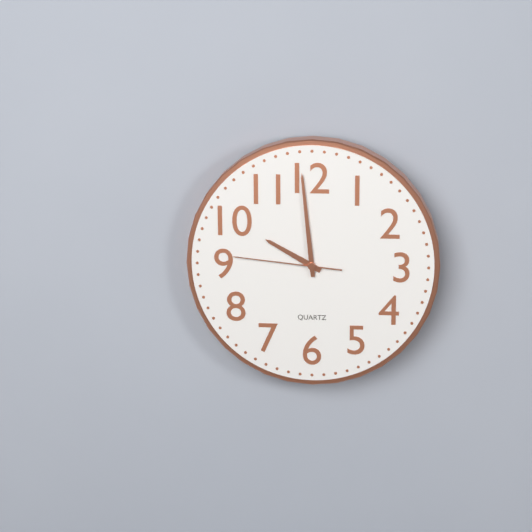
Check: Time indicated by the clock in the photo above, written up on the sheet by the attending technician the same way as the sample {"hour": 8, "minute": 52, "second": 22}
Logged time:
{"hour": 9, "minute": 59, "second": 46}
